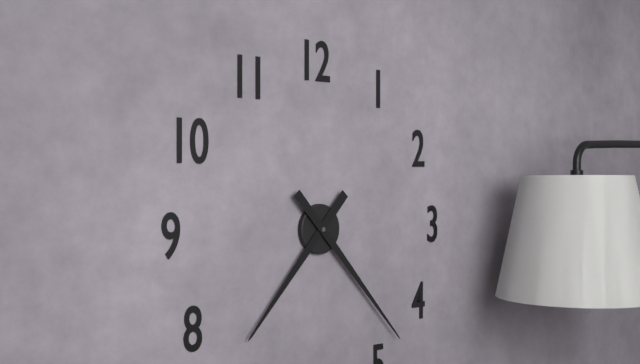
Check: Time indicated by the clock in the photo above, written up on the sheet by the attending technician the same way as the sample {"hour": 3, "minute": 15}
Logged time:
{"hour": 7, "minute": 23}
